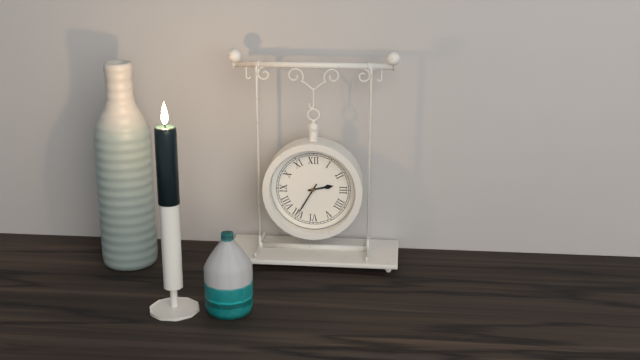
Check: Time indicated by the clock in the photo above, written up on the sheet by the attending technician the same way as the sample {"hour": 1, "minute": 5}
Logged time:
{"hour": 2, "minute": 35}
